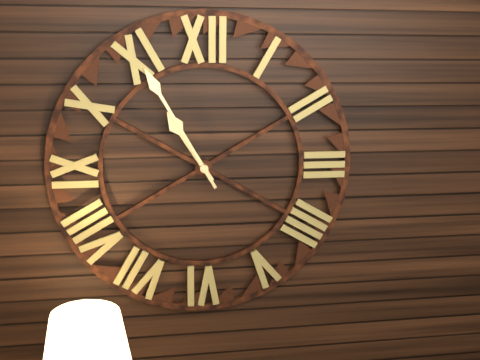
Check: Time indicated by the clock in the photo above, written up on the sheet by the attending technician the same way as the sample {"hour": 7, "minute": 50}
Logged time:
{"hour": 10, "minute": 55}
